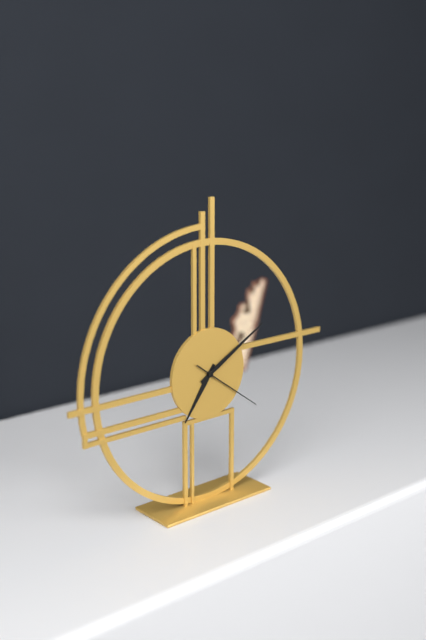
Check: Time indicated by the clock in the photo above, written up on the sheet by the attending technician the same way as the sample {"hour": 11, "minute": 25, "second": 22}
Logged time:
{"hour": 7, "minute": 10, "second": 21}
